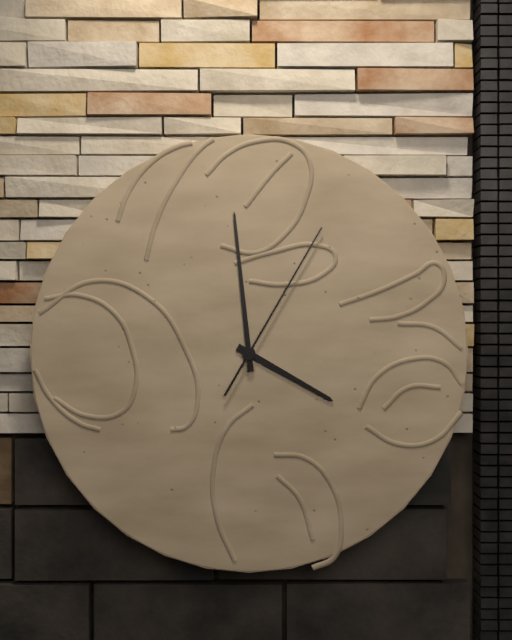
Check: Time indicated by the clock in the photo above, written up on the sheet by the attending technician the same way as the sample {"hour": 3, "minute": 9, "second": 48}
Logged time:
{"hour": 3, "minute": 59, "second": 5}
